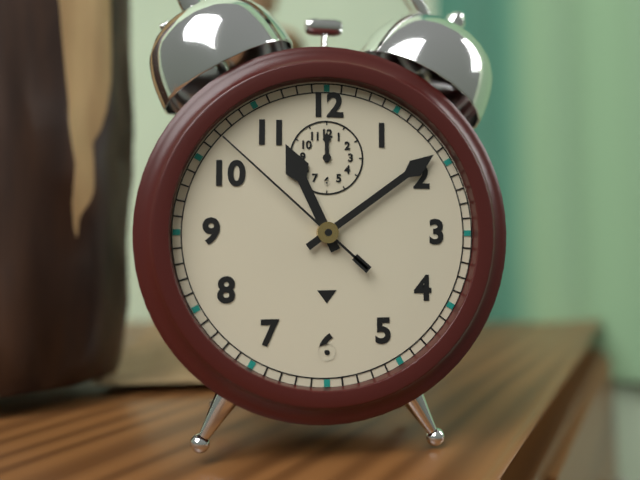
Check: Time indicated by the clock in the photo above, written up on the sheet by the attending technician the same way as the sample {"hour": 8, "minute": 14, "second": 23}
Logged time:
{"hour": 11, "minute": 9, "second": 52}
